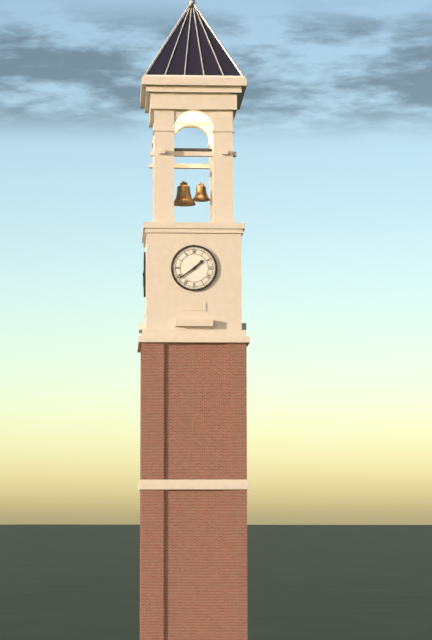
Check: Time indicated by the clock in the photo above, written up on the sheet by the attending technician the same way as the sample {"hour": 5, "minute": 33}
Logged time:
{"hour": 1, "minute": 39}
